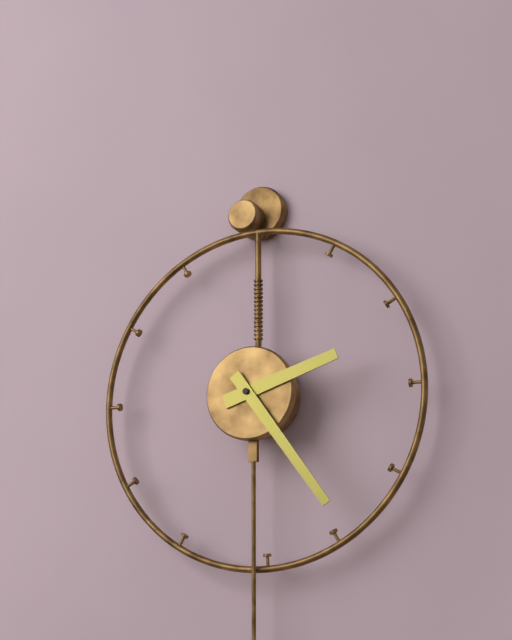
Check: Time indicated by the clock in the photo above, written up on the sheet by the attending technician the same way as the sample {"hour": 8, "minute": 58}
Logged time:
{"hour": 2, "minute": 24}
